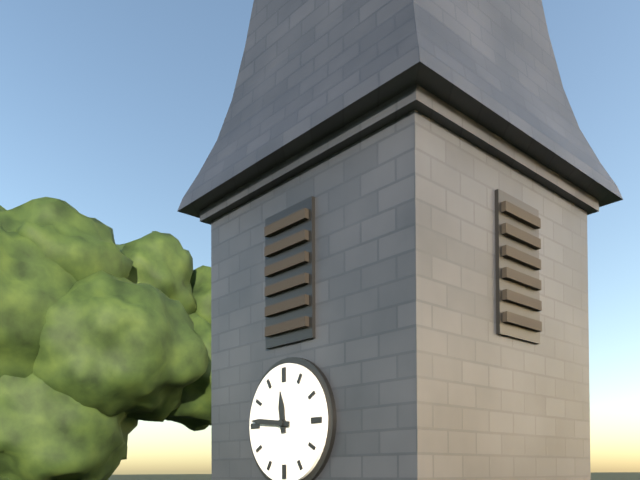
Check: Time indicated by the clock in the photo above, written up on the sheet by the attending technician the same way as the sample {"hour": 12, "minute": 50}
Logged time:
{"hour": 11, "minute": 46}
